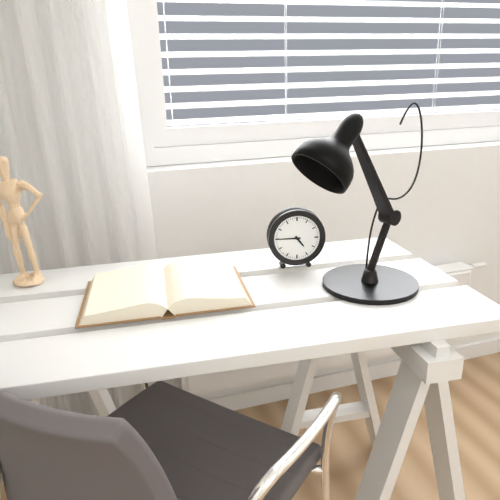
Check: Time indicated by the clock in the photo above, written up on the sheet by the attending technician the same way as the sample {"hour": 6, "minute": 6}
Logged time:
{"hour": 4, "minute": 45}
